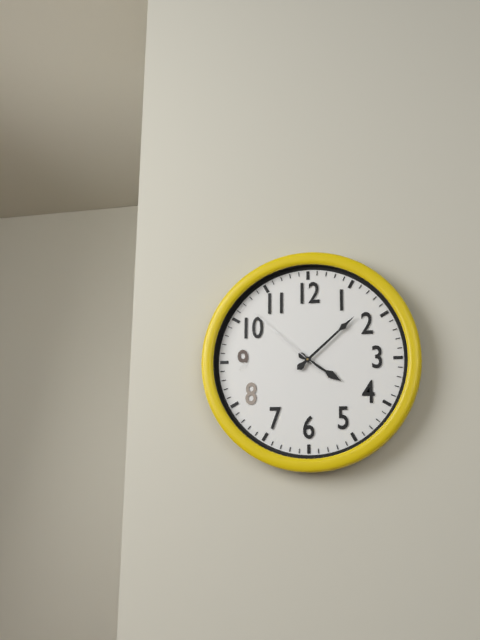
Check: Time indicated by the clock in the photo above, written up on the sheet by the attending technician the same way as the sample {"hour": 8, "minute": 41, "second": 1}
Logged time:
{"hour": 4, "minute": 8, "second": 52}
